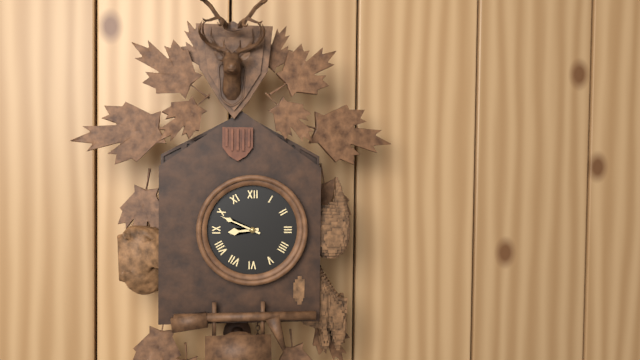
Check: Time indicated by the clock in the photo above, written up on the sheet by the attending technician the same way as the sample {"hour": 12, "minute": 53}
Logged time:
{"hour": 8, "minute": 49}
